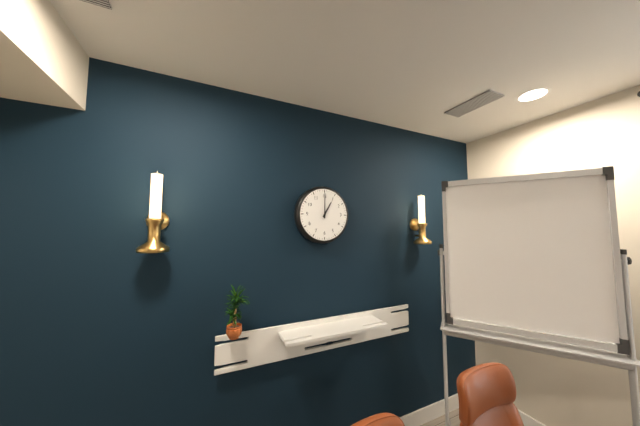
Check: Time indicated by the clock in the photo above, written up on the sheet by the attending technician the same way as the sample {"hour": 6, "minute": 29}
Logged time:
{"hour": 1, "minute": 0}
